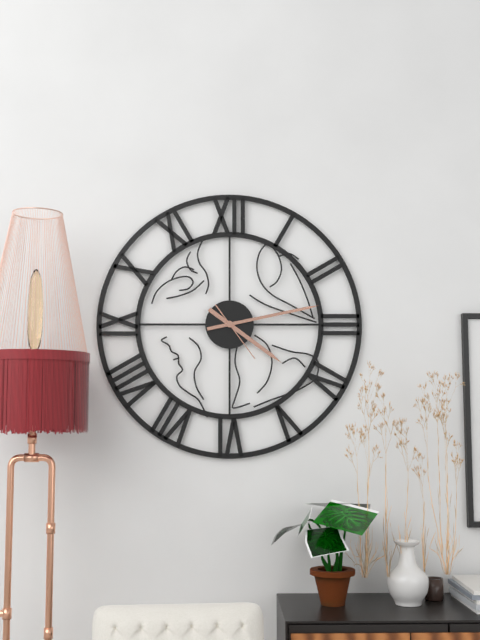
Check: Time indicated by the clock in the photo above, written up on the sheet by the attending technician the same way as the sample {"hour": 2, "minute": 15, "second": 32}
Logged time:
{"hour": 4, "minute": 13, "second": 24}
